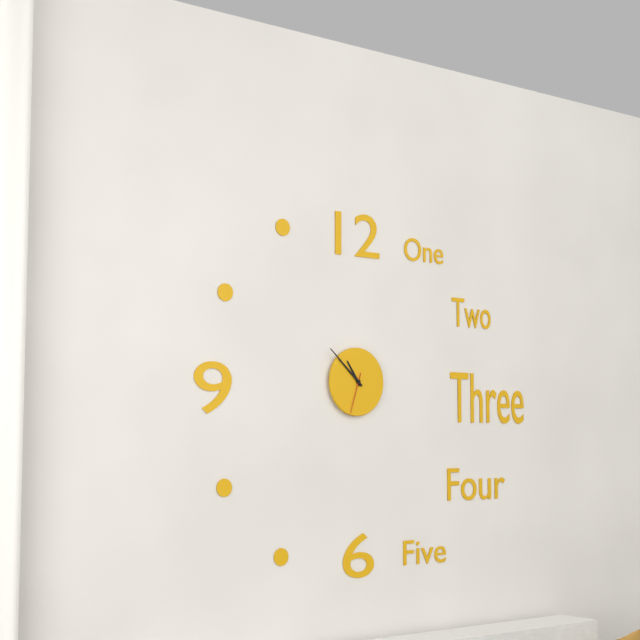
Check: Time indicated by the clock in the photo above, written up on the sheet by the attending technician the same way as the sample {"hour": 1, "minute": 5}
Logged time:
{"hour": 10, "minute": 52}
